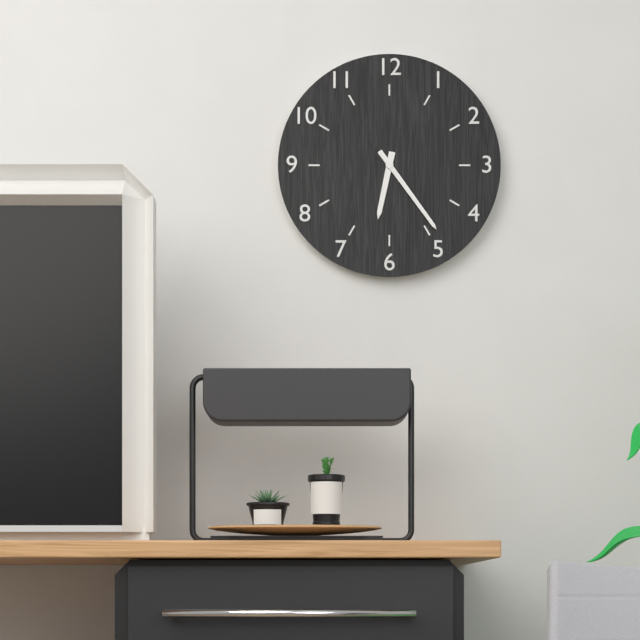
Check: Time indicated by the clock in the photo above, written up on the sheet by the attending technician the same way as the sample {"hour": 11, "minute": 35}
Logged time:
{"hour": 6, "minute": 24}
